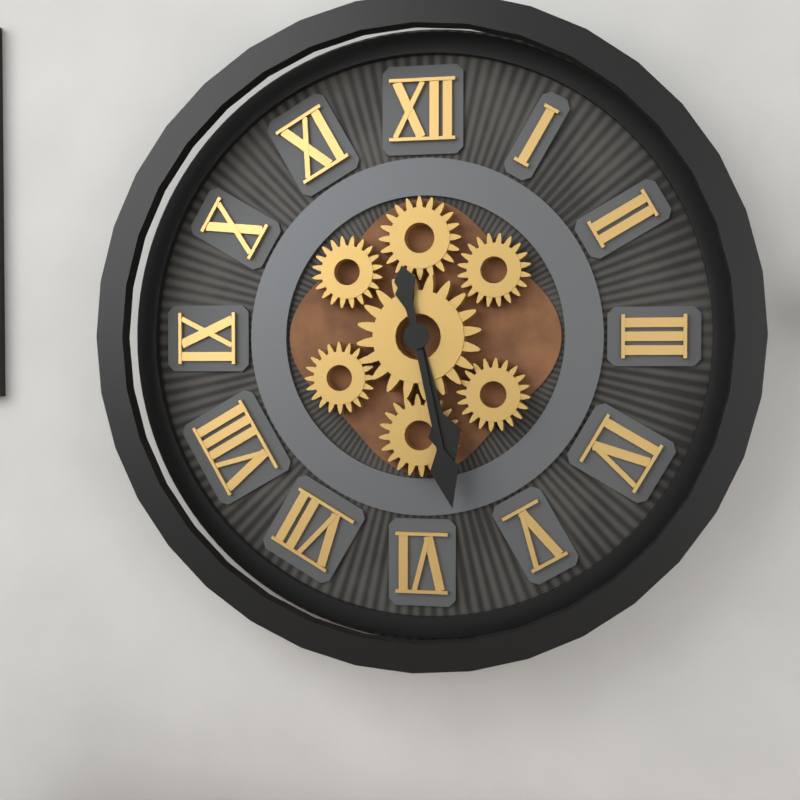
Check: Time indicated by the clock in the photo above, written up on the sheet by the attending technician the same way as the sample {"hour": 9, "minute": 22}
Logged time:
{"hour": 5, "minute": 28}
